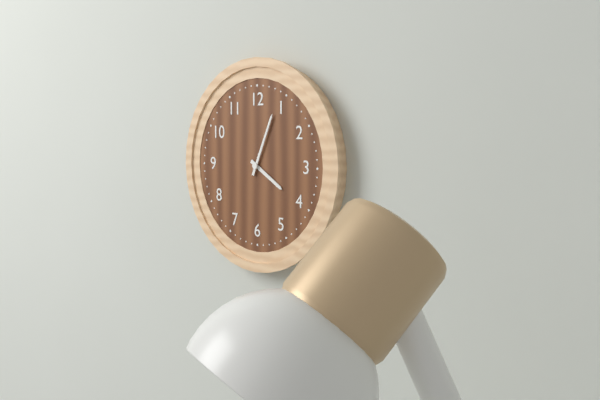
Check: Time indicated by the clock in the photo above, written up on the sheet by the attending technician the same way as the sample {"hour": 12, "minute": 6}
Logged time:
{"hour": 4, "minute": 4}
